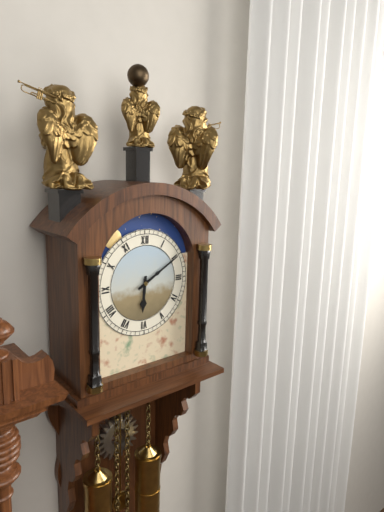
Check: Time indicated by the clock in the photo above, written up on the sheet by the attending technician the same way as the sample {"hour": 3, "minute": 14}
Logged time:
{"hour": 6, "minute": 10}
